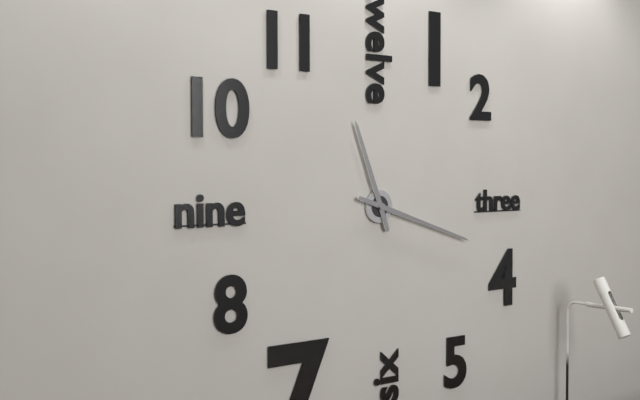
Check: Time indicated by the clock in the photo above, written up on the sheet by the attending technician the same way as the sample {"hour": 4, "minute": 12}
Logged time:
{"hour": 11, "minute": 18}
